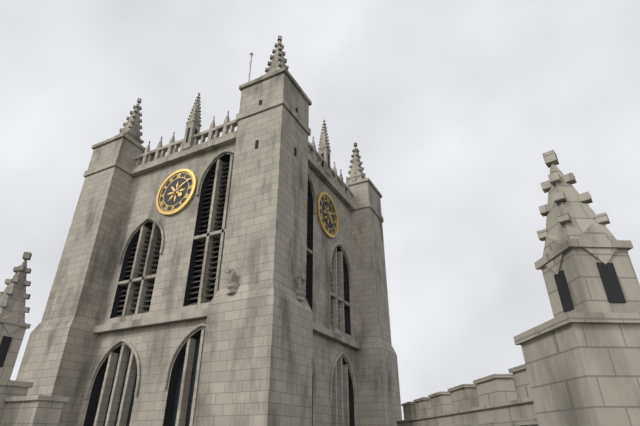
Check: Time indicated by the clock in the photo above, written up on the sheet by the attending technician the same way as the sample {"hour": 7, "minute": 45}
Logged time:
{"hour": 4, "minute": 10}
